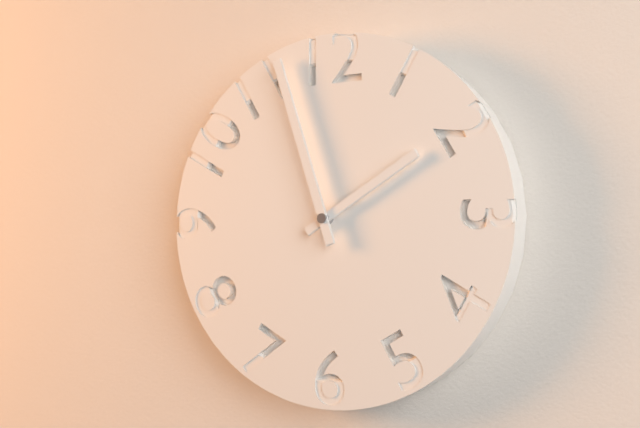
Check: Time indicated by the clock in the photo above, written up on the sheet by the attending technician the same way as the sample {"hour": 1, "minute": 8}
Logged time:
{"hour": 1, "minute": 57}
